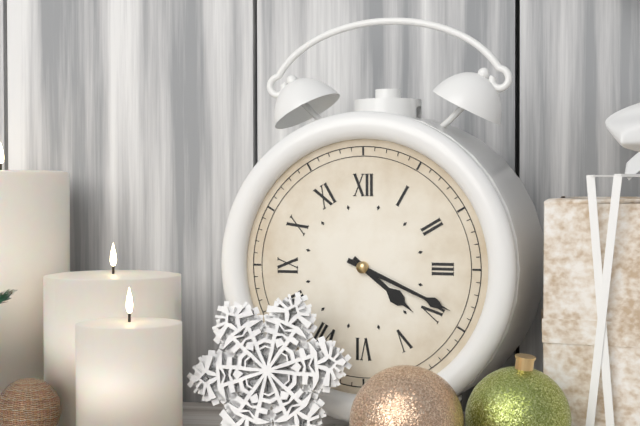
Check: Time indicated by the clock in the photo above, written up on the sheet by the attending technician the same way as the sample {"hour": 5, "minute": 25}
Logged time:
{"hour": 4, "minute": 19}
